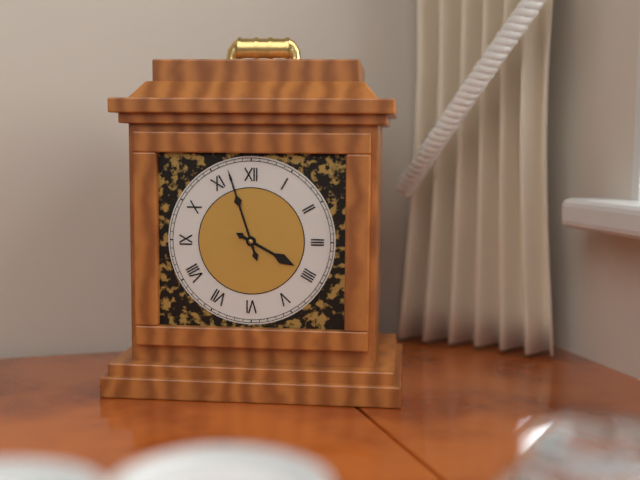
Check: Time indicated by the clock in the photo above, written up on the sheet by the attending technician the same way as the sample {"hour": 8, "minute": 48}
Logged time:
{"hour": 3, "minute": 57}
